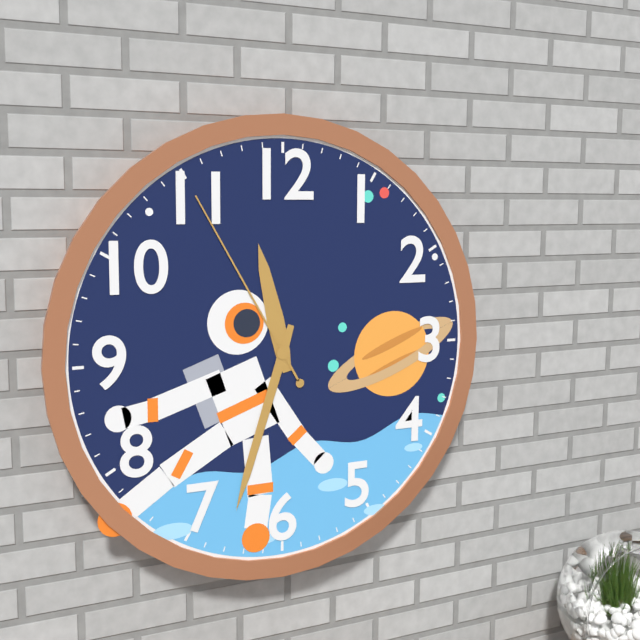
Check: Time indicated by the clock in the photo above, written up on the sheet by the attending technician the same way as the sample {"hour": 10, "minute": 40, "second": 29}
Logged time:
{"hour": 11, "minute": 33, "second": 55}
